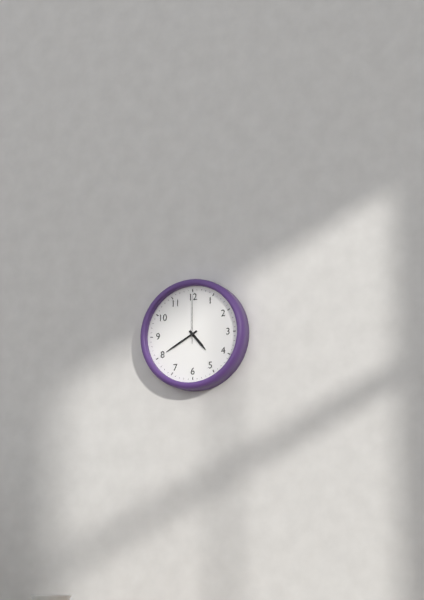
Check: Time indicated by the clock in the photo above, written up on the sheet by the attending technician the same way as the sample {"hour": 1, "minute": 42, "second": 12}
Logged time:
{"hour": 4, "minute": 40, "second": 0}
